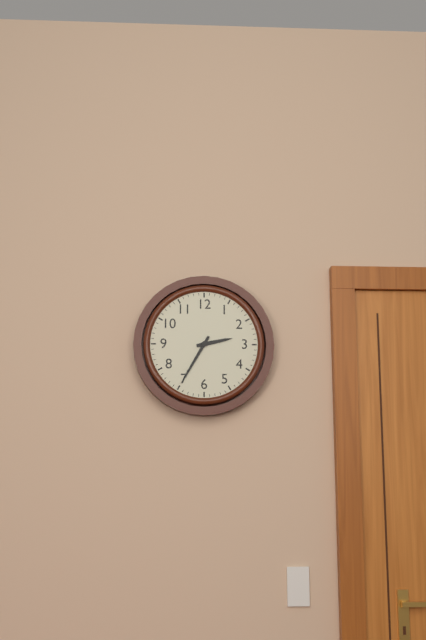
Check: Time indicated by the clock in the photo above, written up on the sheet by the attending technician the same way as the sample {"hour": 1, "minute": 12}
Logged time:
{"hour": 2, "minute": 35}
